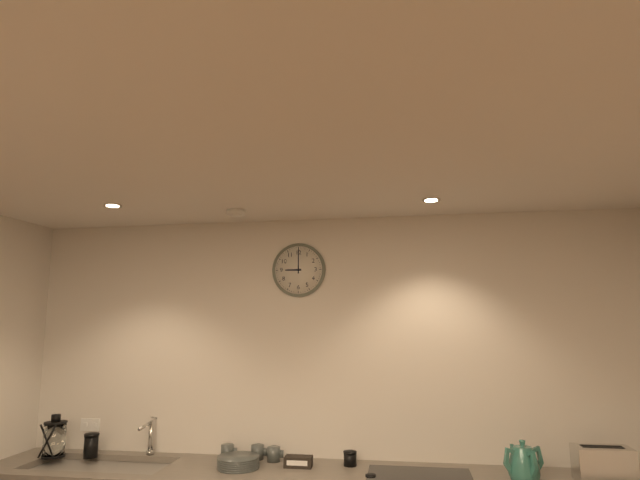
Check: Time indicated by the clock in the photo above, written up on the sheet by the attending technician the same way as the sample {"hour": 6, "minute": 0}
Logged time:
{"hour": 9, "minute": 0}
